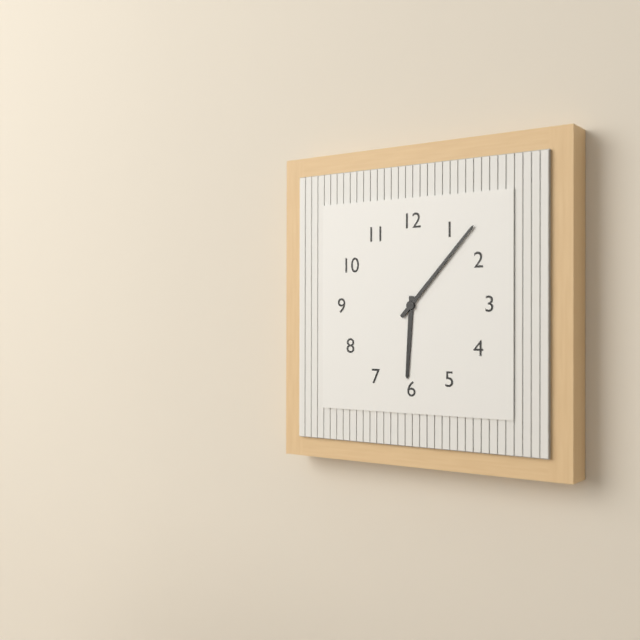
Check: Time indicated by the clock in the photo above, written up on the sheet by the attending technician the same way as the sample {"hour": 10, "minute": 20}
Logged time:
{"hour": 6, "minute": 7}
